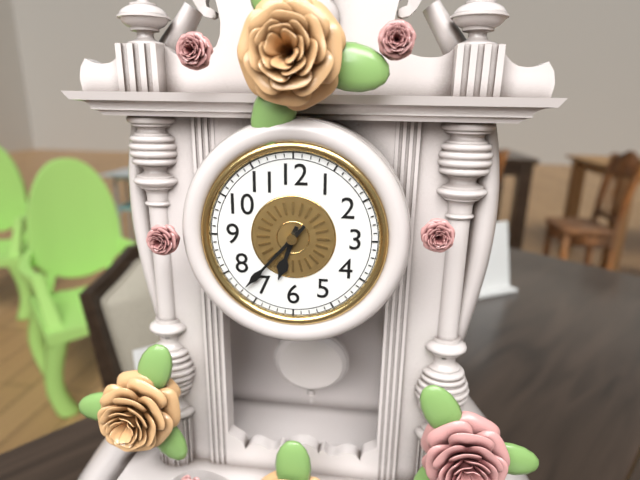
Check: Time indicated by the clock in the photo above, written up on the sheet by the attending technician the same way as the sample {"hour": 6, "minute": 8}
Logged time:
{"hour": 6, "minute": 37}
